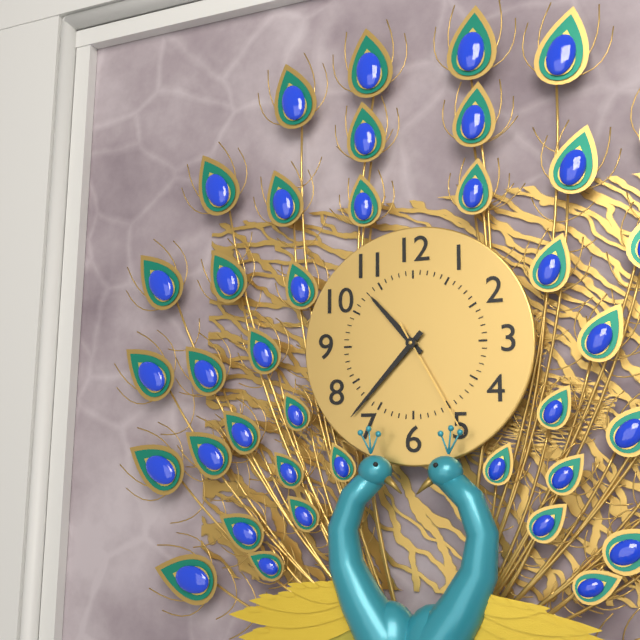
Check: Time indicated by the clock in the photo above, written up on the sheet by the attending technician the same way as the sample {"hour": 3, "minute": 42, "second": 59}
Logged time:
{"hour": 10, "minute": 37, "second": 25}
